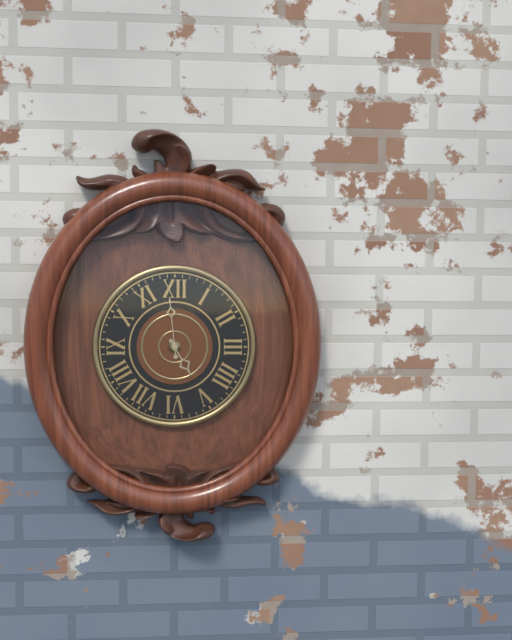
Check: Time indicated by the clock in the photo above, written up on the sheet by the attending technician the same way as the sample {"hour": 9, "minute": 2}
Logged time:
{"hour": 4, "minute": 59}
